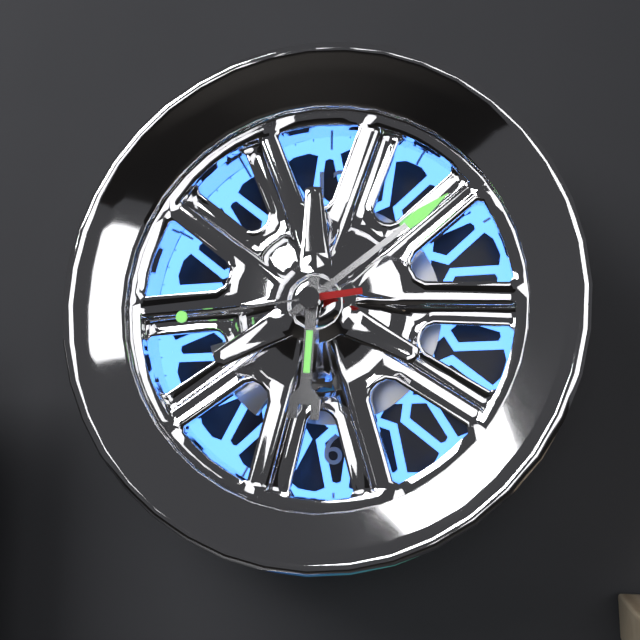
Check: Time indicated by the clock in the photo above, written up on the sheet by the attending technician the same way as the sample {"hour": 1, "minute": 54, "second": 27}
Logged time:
{"hour": 6, "minute": 9, "second": 44}
